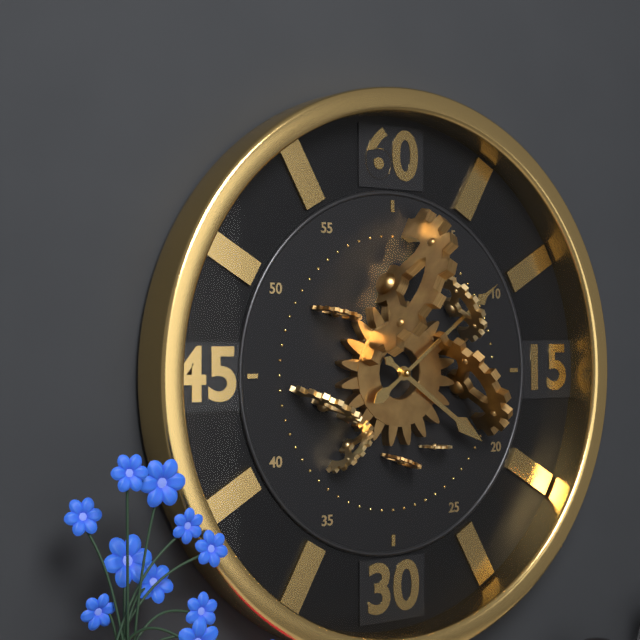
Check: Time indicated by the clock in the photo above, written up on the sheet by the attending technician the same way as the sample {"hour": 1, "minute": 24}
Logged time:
{"hour": 4, "minute": 9}
